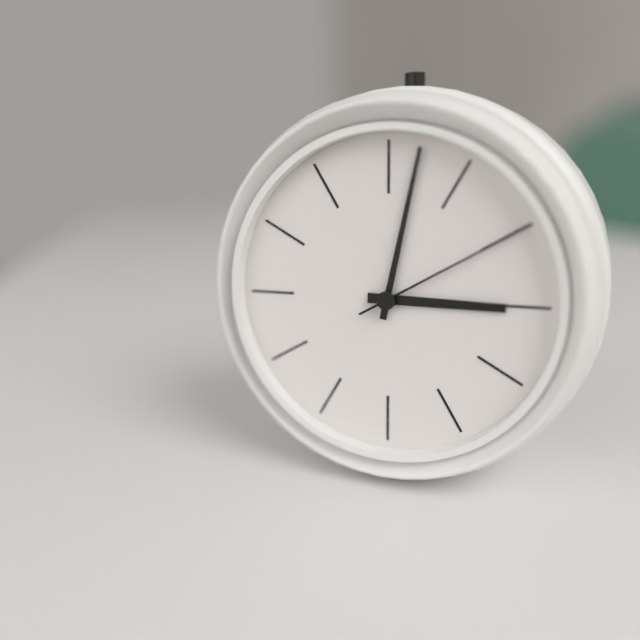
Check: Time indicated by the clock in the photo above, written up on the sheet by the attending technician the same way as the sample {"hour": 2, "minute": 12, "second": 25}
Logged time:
{"hour": 3, "minute": 2, "second": 10}
